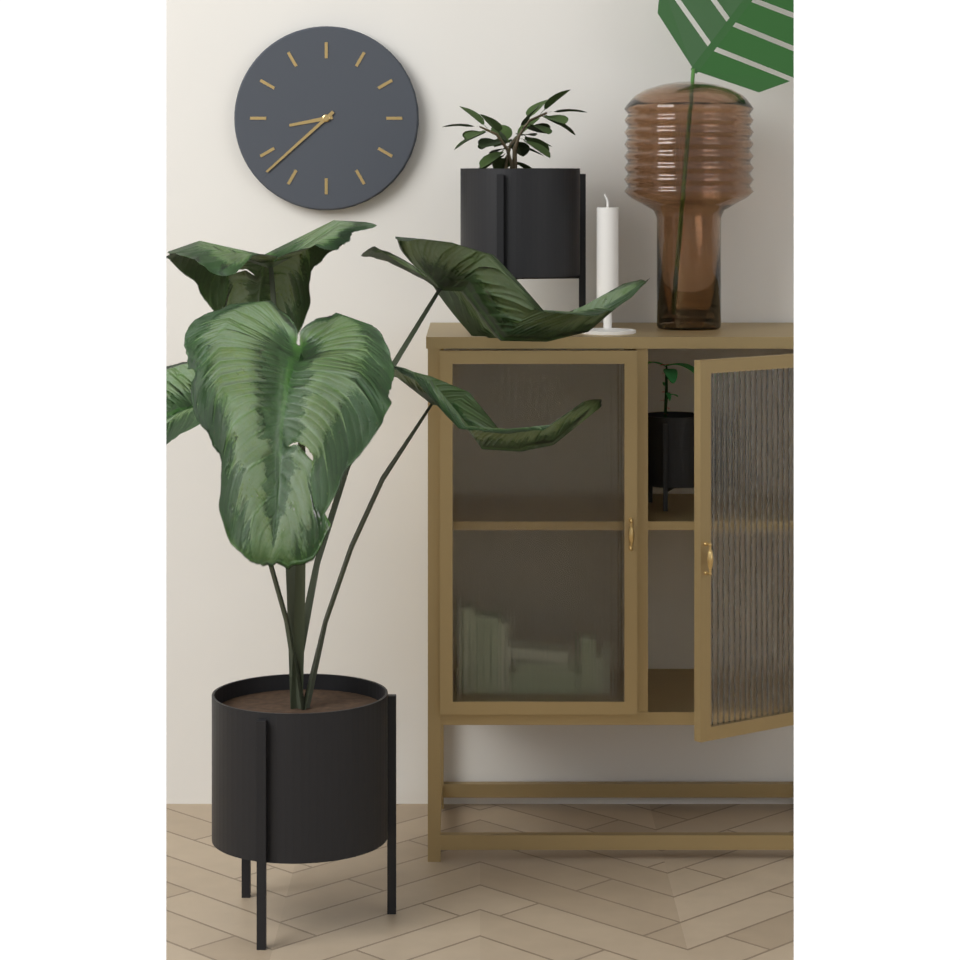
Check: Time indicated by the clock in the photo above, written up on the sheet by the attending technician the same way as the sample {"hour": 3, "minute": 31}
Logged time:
{"hour": 8, "minute": 38}
